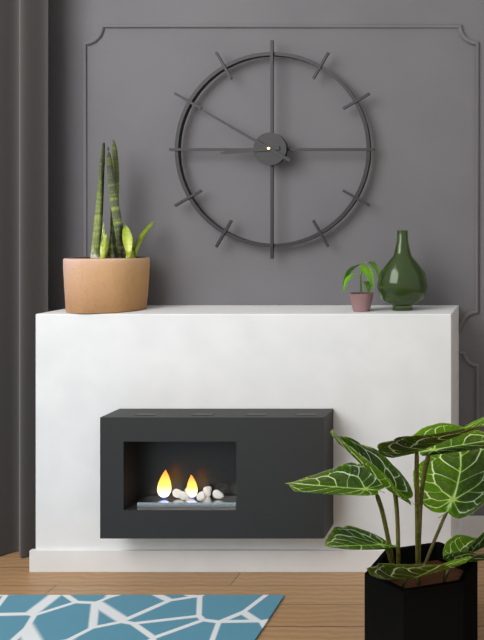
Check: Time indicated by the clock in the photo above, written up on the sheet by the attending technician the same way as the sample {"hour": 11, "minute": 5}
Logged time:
{"hour": 8, "minute": 50}
